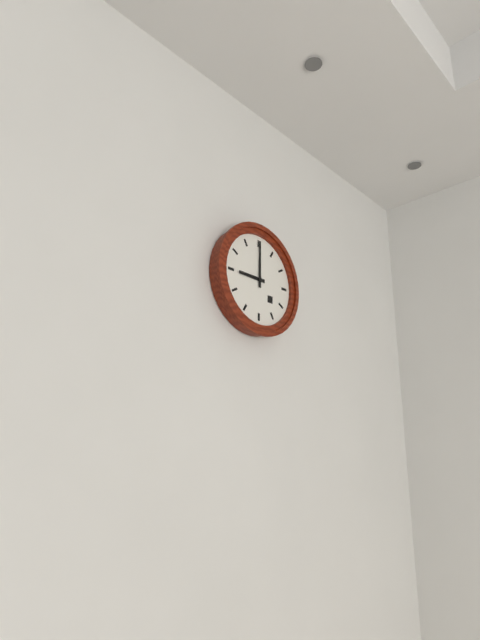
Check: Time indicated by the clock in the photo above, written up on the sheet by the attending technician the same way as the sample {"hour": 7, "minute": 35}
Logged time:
{"hour": 9, "minute": 0}
